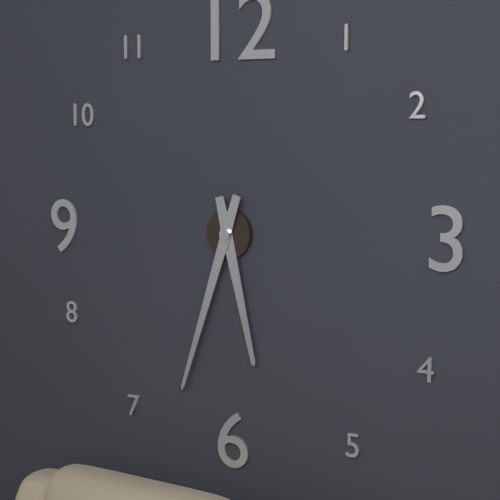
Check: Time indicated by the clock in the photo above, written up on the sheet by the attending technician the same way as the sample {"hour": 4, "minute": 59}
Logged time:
{"hour": 5, "minute": 33}
